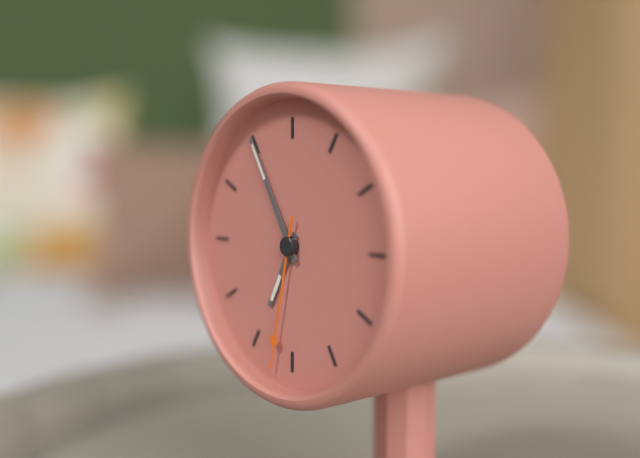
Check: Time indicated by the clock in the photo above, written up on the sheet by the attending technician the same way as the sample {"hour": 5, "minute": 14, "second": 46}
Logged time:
{"hour": 6, "minute": 55, "second": 32}
